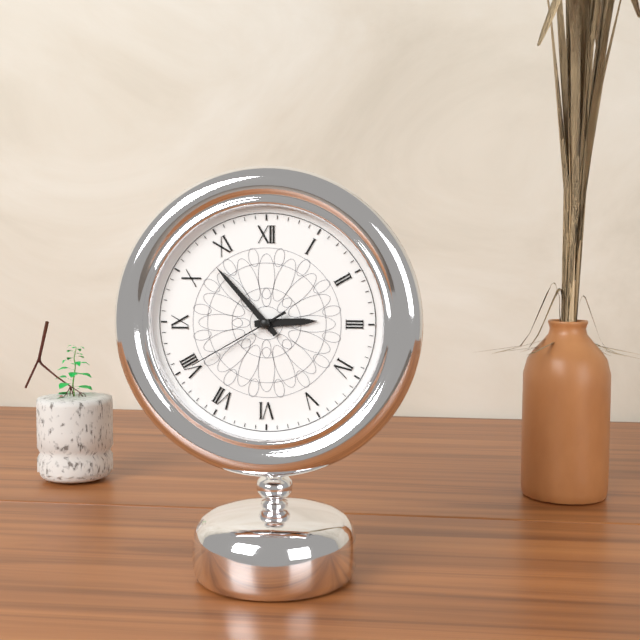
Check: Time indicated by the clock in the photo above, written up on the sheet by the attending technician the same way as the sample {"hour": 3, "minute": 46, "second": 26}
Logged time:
{"hour": 2, "minute": 53, "second": 40}
